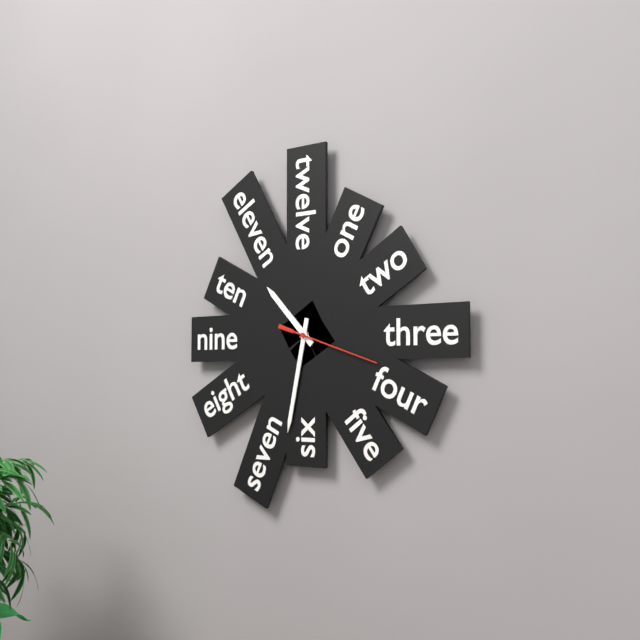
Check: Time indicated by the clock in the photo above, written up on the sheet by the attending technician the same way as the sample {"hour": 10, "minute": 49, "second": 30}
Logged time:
{"hour": 10, "minute": 32, "second": 18}
